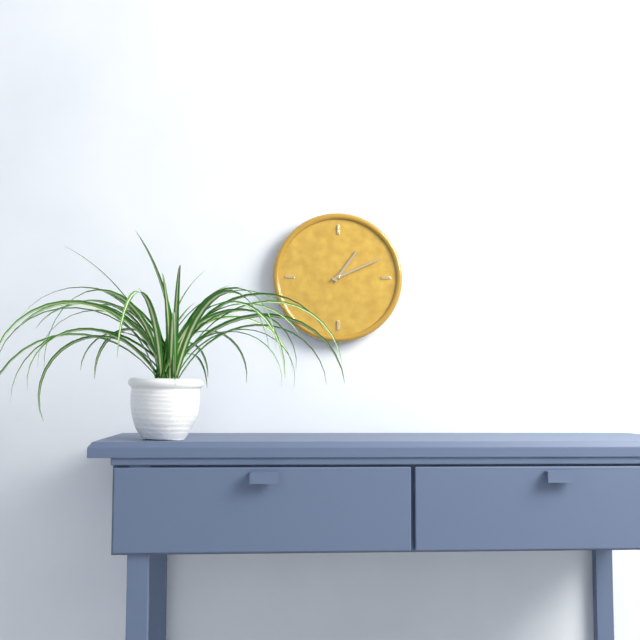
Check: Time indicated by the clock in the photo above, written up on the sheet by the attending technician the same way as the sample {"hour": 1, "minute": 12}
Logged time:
{"hour": 1, "minute": 11}
